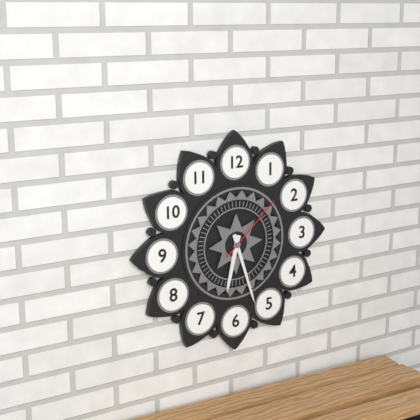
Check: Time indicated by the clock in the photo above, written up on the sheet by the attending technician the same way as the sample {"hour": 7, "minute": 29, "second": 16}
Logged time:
{"hour": 6, "minute": 27, "second": 8}
